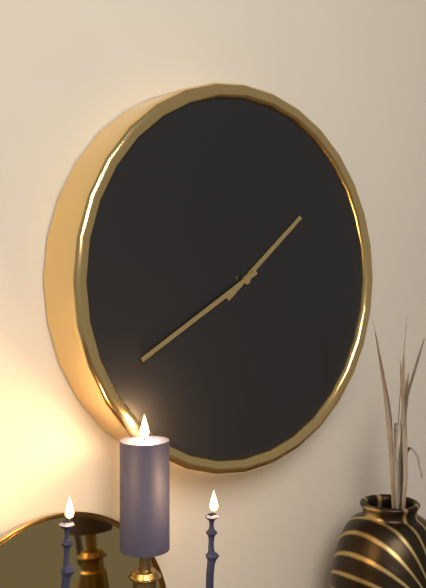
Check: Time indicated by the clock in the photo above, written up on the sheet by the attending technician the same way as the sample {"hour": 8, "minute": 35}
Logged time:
{"hour": 1, "minute": 40}
